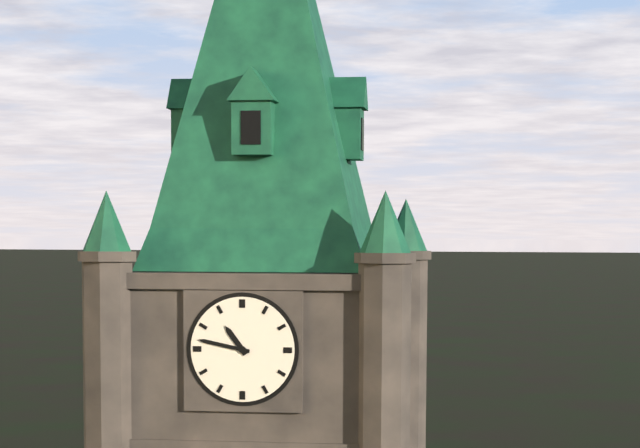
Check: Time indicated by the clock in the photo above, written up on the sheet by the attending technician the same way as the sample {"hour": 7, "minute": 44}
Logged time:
{"hour": 10, "minute": 47}
